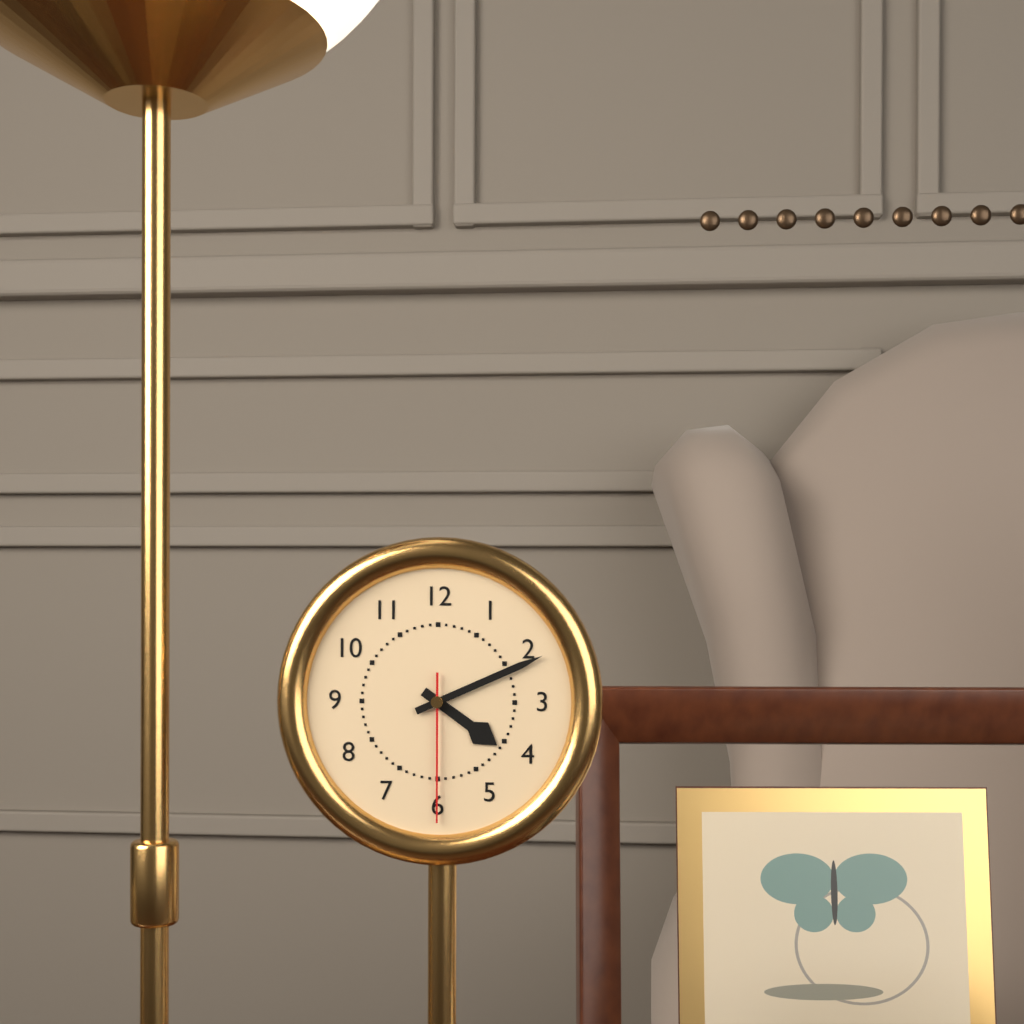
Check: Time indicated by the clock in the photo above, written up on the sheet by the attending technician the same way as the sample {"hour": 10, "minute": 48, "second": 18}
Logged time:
{"hour": 4, "minute": 11, "second": 30}
